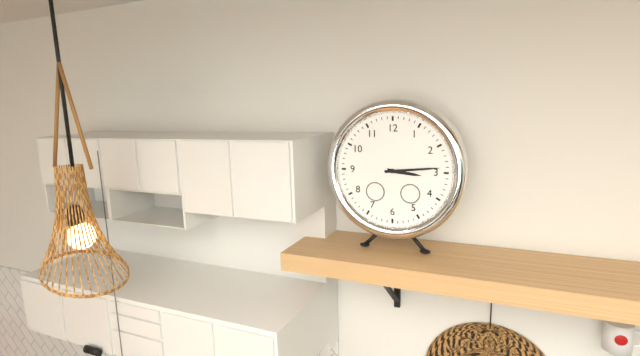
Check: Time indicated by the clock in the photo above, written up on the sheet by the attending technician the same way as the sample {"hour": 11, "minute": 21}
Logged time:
{"hour": 3, "minute": 14}
